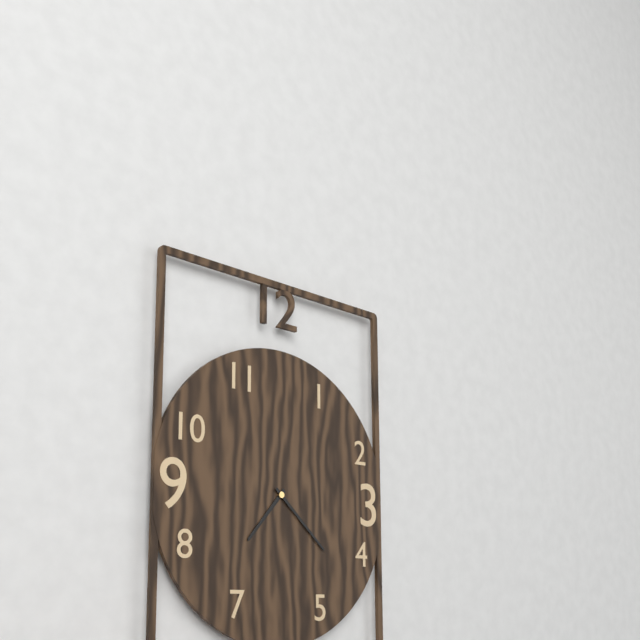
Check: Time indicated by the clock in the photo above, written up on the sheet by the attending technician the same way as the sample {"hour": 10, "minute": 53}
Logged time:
{"hour": 7, "minute": 22}
